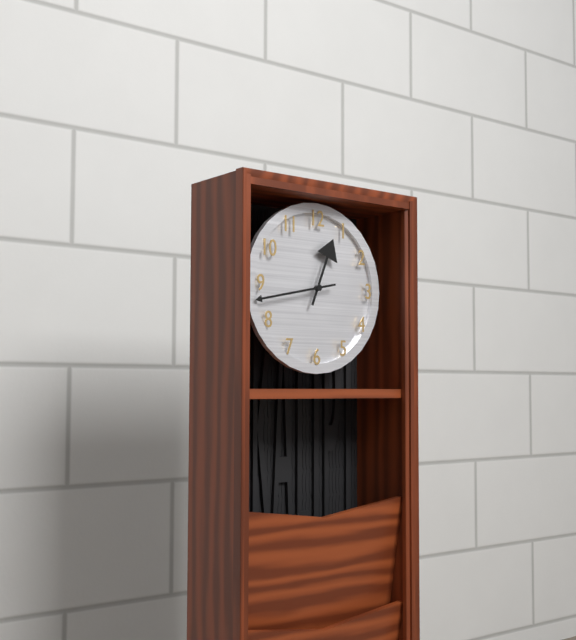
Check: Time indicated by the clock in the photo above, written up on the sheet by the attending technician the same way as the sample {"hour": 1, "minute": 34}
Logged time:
{"hour": 12, "minute": 43}
